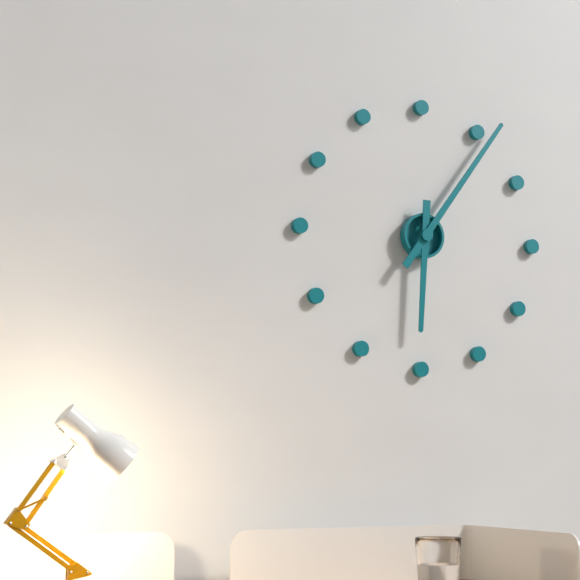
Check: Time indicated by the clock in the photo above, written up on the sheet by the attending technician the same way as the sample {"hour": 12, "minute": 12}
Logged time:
{"hour": 6, "minute": 6}
